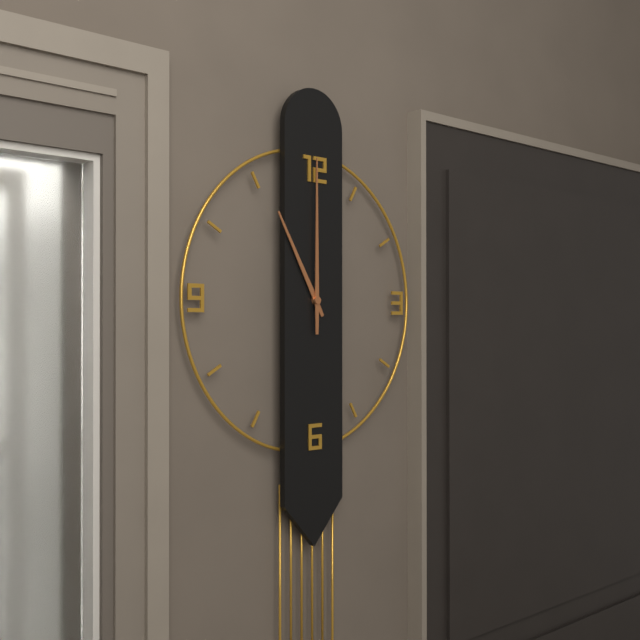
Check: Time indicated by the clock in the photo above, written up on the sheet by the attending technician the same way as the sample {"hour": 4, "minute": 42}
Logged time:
{"hour": 11, "minute": 0}
